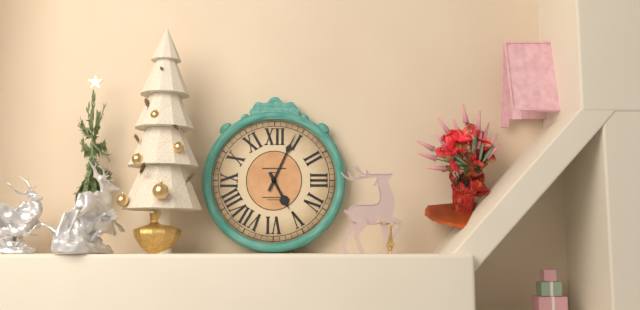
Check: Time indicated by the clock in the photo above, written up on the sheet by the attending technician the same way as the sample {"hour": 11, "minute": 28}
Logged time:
{"hour": 5, "minute": 4}
